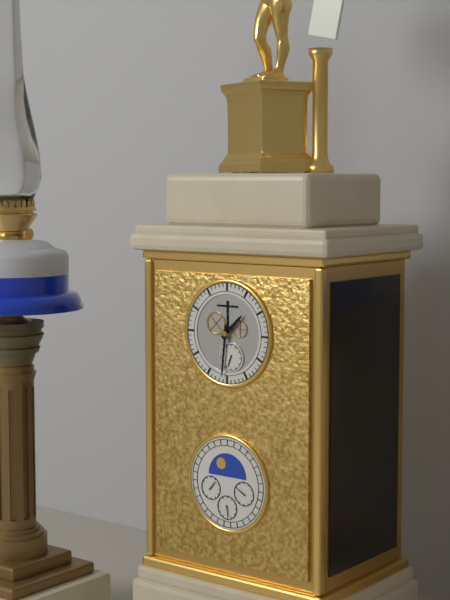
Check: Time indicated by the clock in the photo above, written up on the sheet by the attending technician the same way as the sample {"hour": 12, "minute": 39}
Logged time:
{"hour": 1, "minute": 31}
